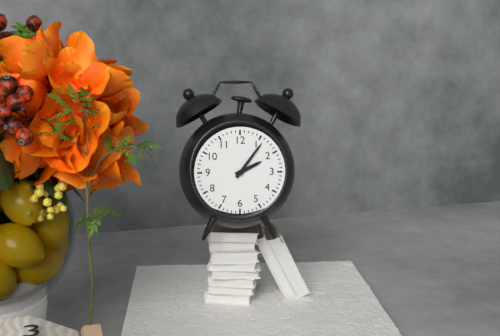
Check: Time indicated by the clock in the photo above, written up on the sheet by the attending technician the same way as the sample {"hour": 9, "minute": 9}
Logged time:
{"hour": 2, "minute": 6}
